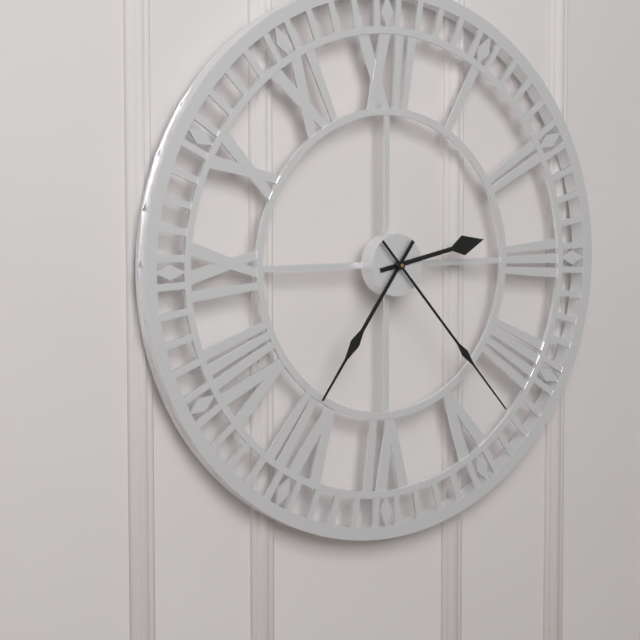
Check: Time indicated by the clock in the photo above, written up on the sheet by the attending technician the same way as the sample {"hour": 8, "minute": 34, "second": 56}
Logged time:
{"hour": 2, "minute": 36, "second": 23}
